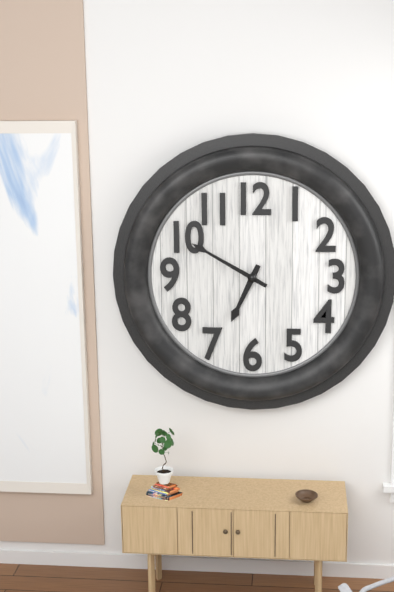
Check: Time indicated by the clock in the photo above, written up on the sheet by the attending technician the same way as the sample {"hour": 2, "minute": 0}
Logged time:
{"hour": 6, "minute": 50}
